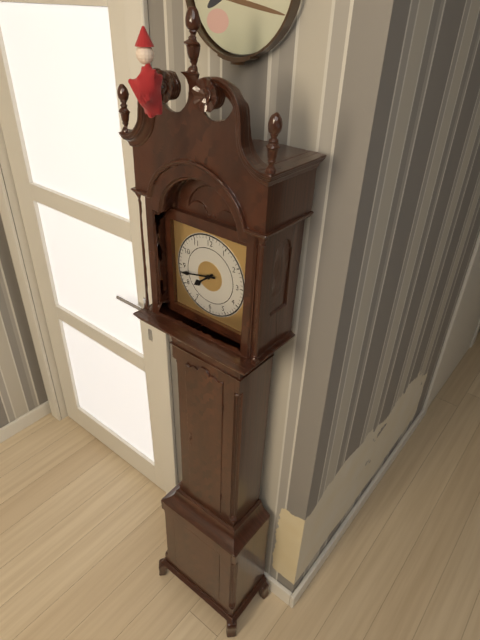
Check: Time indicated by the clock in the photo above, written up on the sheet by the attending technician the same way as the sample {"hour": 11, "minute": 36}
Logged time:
{"hour": 7, "minute": 43}
